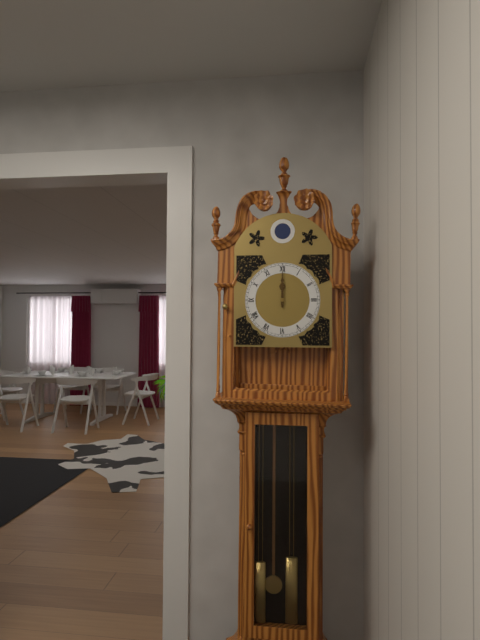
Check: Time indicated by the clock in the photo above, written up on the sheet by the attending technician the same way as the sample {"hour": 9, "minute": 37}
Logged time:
{"hour": 12, "minute": 0}
